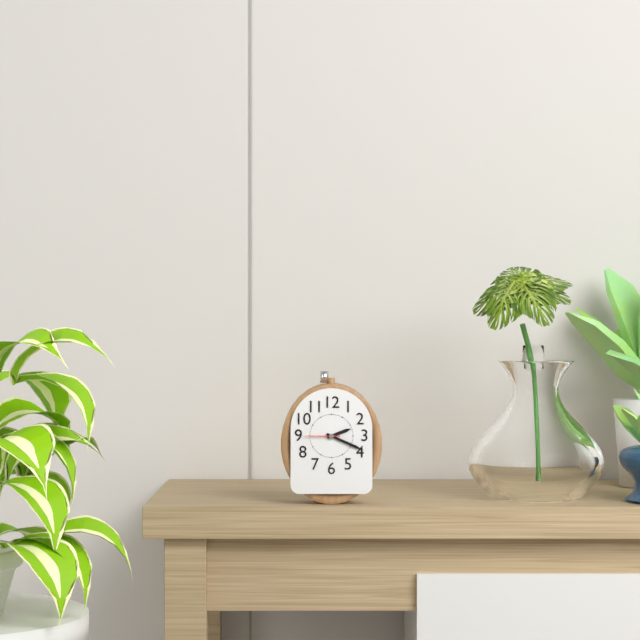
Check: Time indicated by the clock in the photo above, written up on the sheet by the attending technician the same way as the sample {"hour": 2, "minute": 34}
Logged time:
{"hour": 2, "minute": 19}
